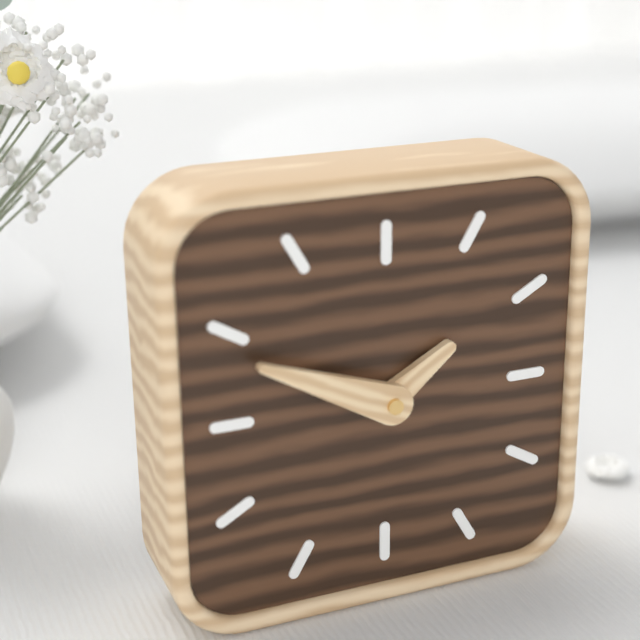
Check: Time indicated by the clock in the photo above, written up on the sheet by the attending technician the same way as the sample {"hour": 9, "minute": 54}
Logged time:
{"hour": 1, "minute": 49}
